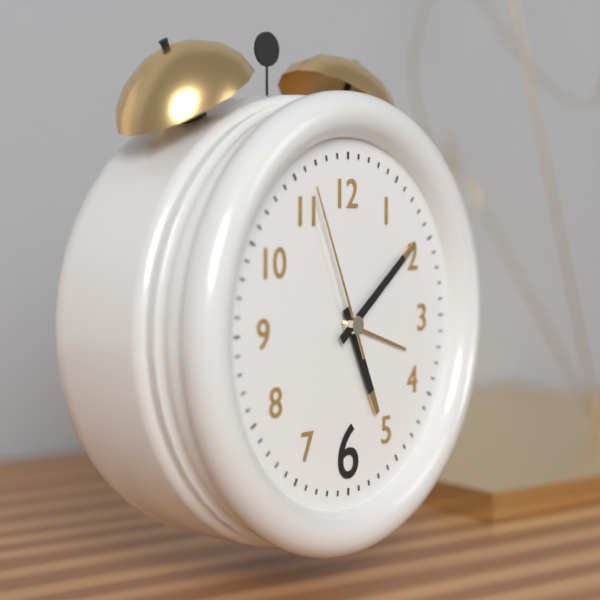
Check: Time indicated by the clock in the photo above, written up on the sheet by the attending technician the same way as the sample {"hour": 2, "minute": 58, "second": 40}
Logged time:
{"hour": 5, "minute": 9, "second": 56}
